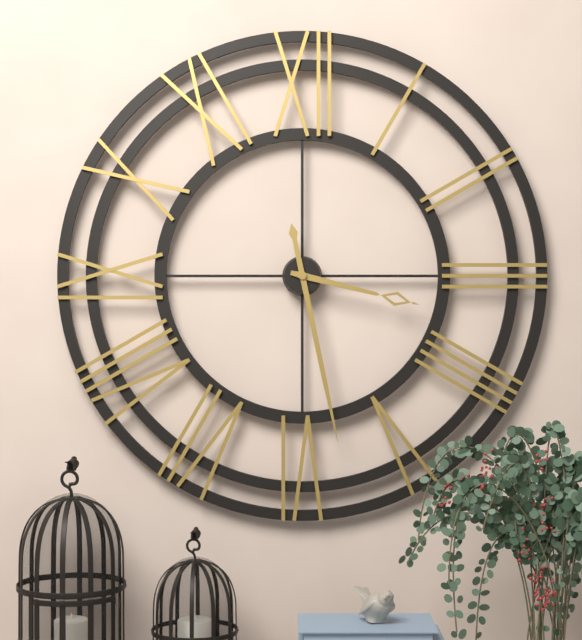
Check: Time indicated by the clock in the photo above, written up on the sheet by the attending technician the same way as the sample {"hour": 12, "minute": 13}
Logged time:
{"hour": 3, "minute": 28}
